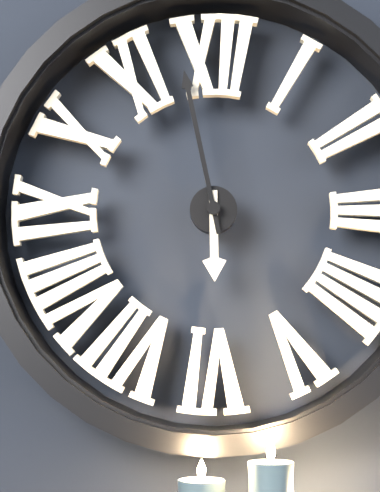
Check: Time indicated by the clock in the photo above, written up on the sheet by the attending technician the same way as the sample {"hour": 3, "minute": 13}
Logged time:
{"hour": 5, "minute": 58}
